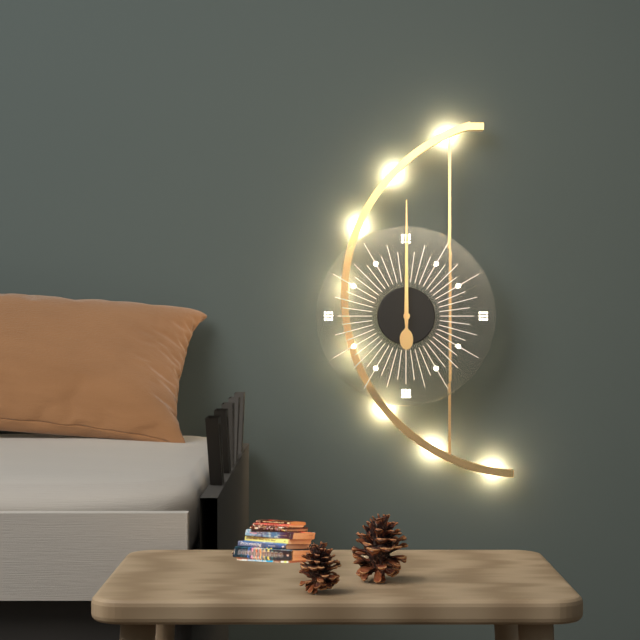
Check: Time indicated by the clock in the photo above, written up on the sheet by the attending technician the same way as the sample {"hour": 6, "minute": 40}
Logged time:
{"hour": 12, "minute": 0}
